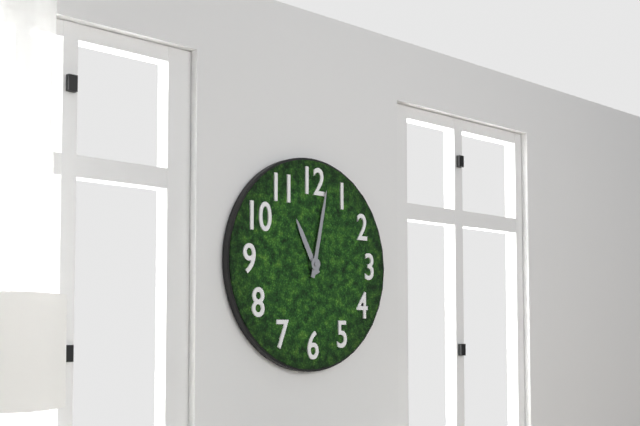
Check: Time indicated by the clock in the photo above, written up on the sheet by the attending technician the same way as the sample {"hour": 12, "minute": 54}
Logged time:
{"hour": 11, "minute": 2}
